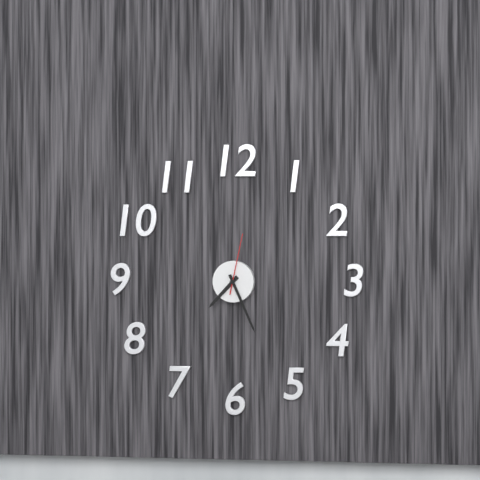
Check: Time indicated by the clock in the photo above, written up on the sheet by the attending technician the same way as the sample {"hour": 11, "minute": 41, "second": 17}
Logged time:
{"hour": 7, "minute": 26, "second": 2}
